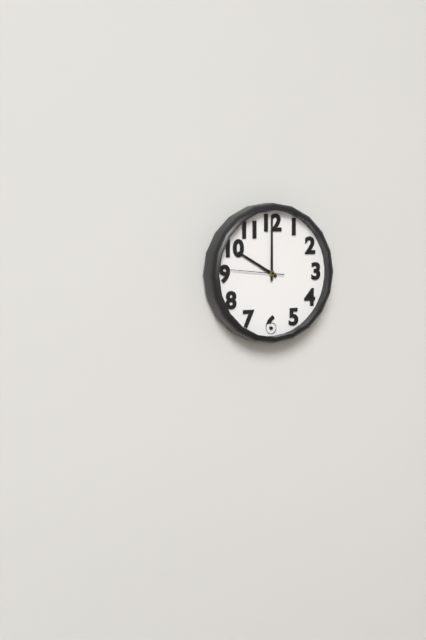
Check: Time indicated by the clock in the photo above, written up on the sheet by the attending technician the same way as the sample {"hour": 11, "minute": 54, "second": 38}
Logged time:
{"hour": 10, "minute": 0, "second": 46}
